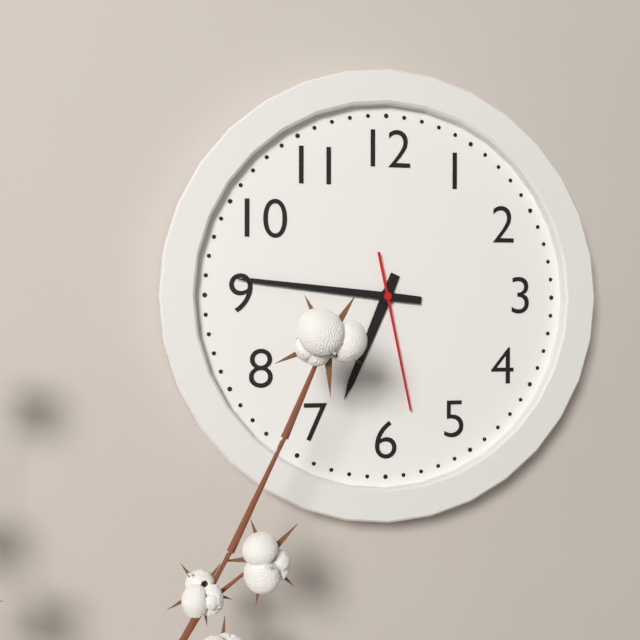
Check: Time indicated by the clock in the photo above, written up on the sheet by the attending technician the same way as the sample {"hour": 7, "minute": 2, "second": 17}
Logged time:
{"hour": 6, "minute": 46, "second": 28}
